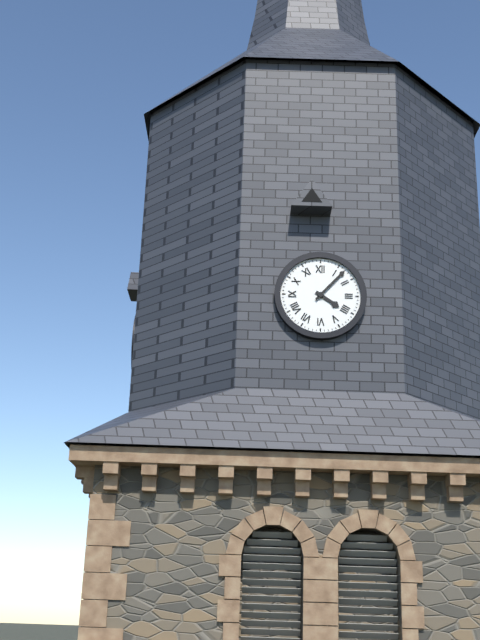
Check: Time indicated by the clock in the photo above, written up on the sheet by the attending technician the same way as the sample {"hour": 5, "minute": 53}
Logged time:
{"hour": 4, "minute": 7}
